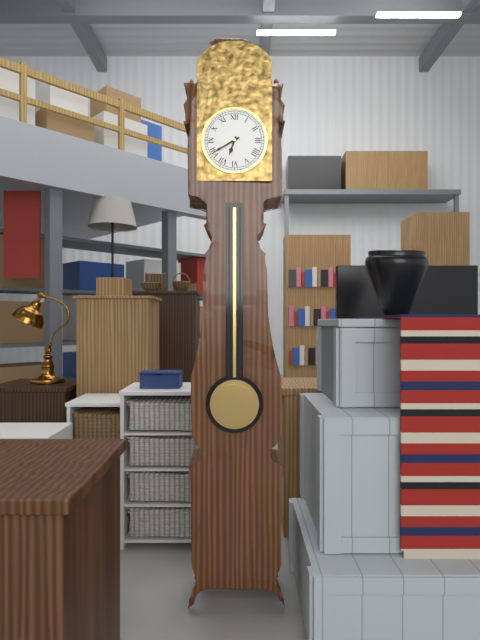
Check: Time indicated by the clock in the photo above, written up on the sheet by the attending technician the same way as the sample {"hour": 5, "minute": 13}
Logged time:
{"hour": 6, "minute": 40}
